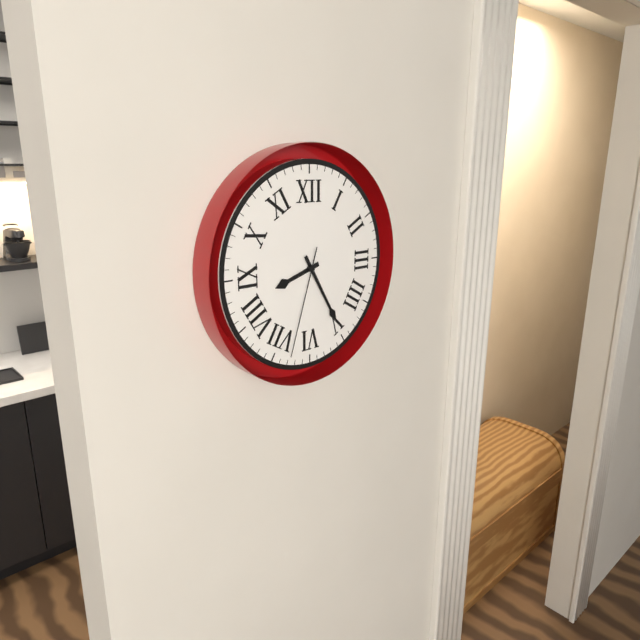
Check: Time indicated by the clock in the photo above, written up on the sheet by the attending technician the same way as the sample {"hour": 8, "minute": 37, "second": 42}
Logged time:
{"hour": 8, "minute": 25, "second": 33}
